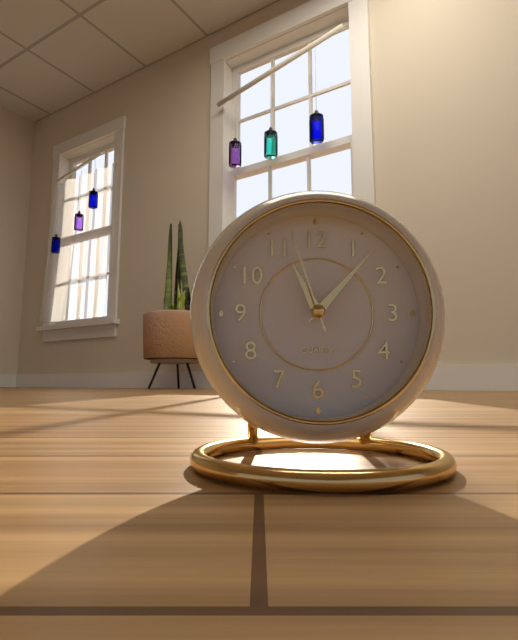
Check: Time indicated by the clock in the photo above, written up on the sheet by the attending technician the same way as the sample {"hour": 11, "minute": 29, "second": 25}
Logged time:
{"hour": 11, "minute": 7, "second": 57}
